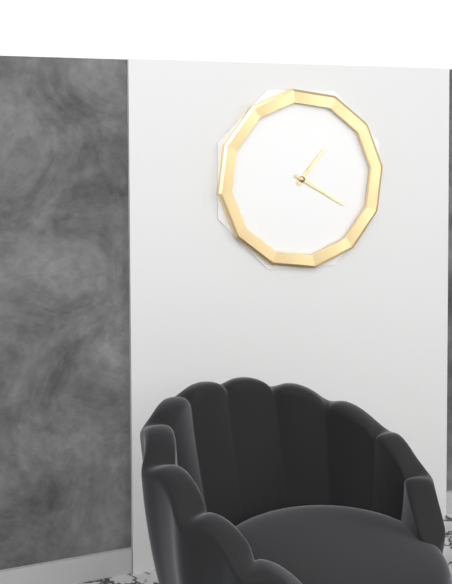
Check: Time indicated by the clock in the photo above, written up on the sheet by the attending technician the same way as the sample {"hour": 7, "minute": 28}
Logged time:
{"hour": 1, "minute": 20}
